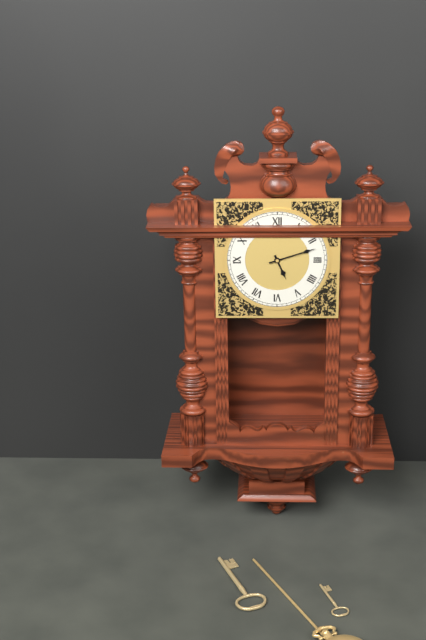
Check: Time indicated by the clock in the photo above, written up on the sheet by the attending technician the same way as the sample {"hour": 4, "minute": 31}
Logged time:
{"hour": 5, "minute": 12}
